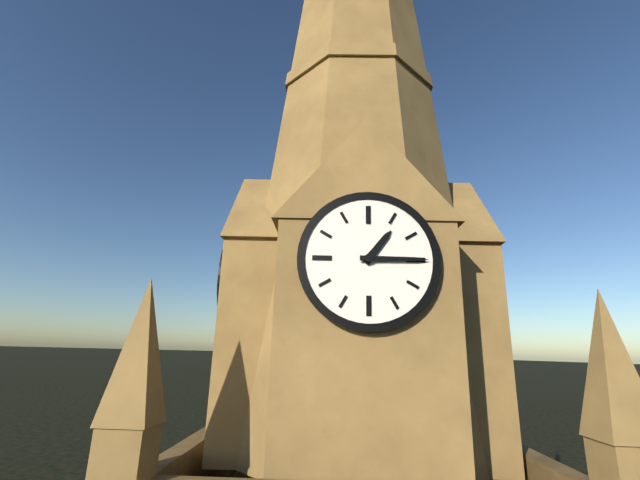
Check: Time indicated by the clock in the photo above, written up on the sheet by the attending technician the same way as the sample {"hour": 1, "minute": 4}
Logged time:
{"hour": 1, "minute": 15}
